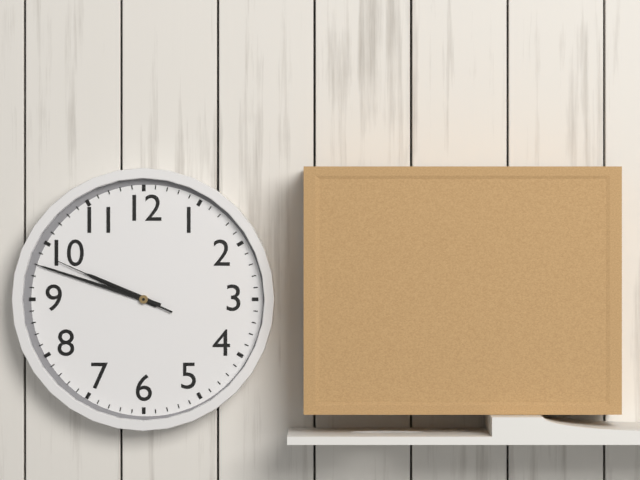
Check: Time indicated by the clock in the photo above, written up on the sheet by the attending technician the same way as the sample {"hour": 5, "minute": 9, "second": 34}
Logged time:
{"hour": 9, "minute": 48, "second": 49}
